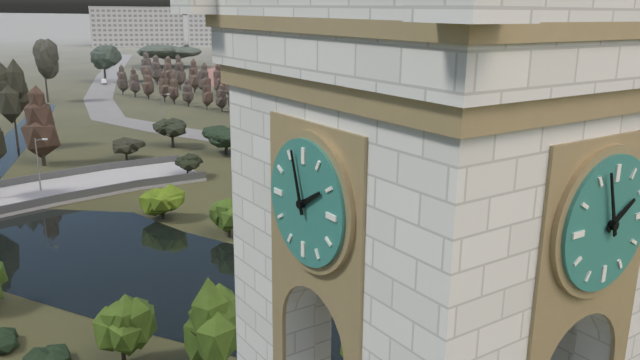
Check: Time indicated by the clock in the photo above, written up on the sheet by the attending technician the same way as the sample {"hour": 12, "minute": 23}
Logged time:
{"hour": 1, "minute": 57}
